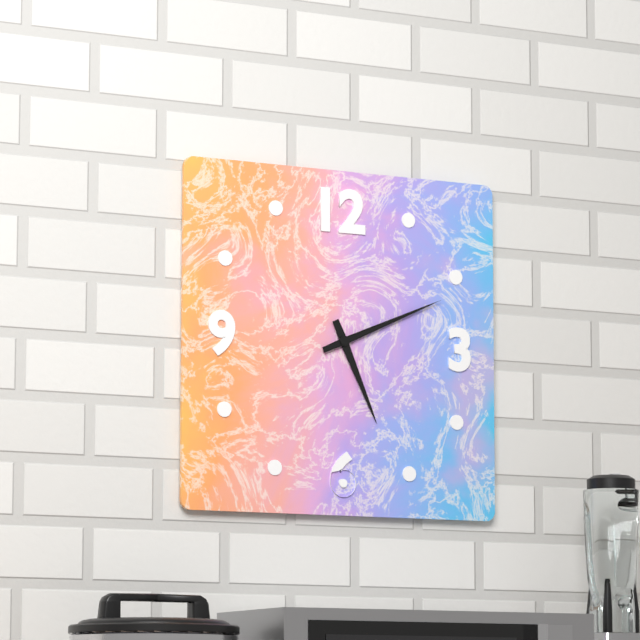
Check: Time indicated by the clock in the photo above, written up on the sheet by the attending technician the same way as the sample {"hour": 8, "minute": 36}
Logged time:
{"hour": 5, "minute": 11}
